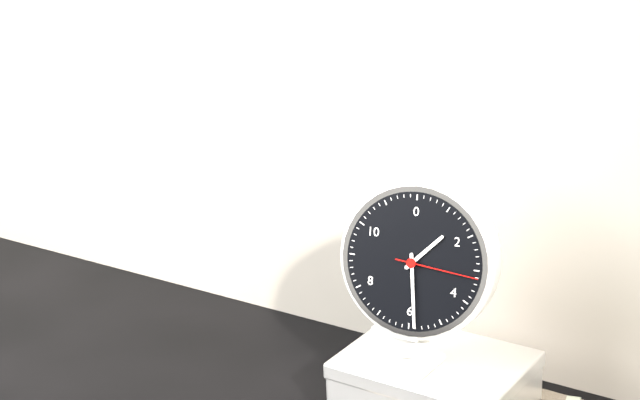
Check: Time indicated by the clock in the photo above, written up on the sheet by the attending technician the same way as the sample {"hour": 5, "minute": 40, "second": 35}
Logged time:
{"hour": 1, "minute": 29, "second": 16}
